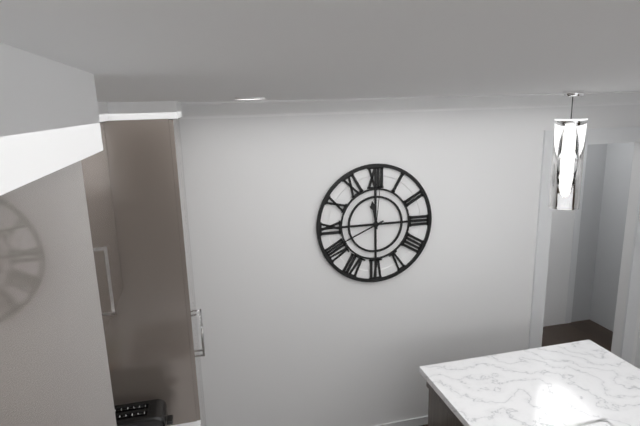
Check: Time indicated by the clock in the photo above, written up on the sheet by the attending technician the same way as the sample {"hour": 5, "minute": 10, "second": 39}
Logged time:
{"hour": 11, "minute": 41, "second": 1}
